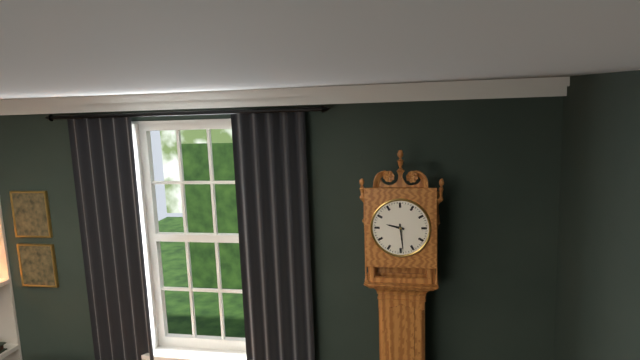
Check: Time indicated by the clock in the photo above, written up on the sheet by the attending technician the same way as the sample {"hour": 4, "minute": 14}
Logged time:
{"hour": 9, "minute": 29}
